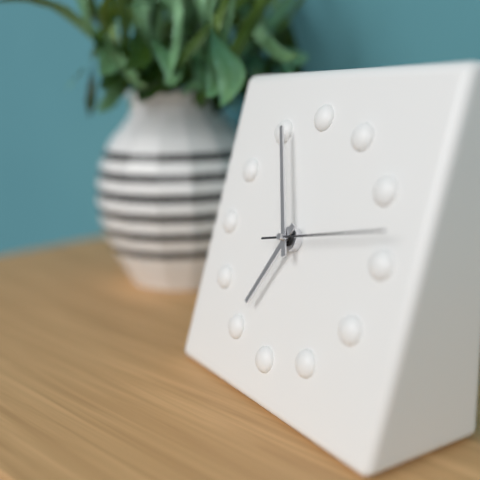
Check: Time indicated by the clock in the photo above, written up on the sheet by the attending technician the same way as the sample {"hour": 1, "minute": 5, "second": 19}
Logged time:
{"hour": 6, "minute": 56, "second": 13}
